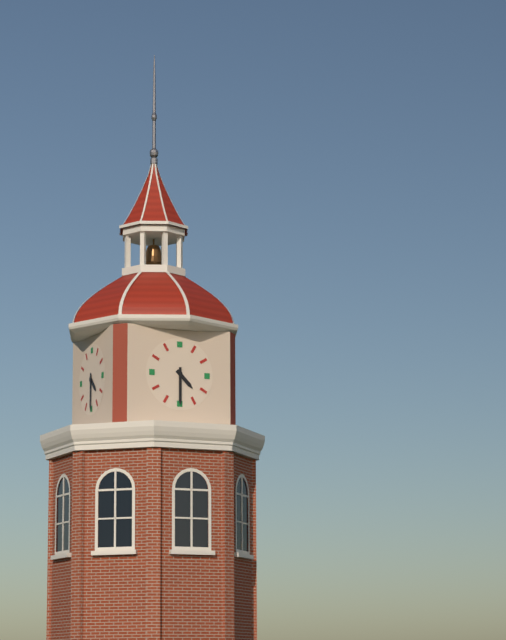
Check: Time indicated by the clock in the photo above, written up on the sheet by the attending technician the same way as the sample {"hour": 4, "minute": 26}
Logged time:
{"hour": 4, "minute": 30}
